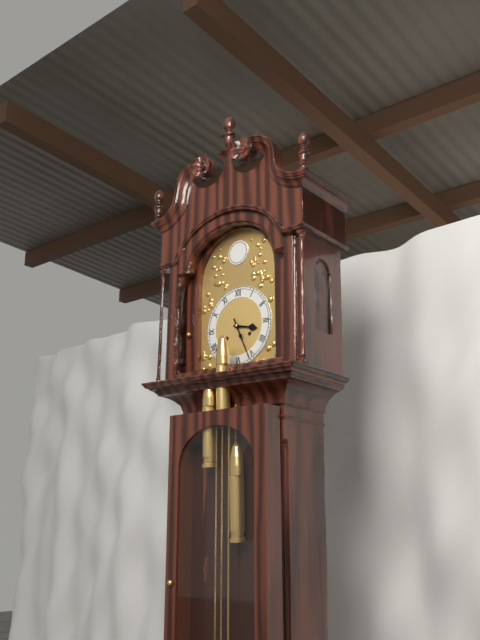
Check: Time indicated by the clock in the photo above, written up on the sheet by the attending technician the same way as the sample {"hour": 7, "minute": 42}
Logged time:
{"hour": 3, "minute": 26}
